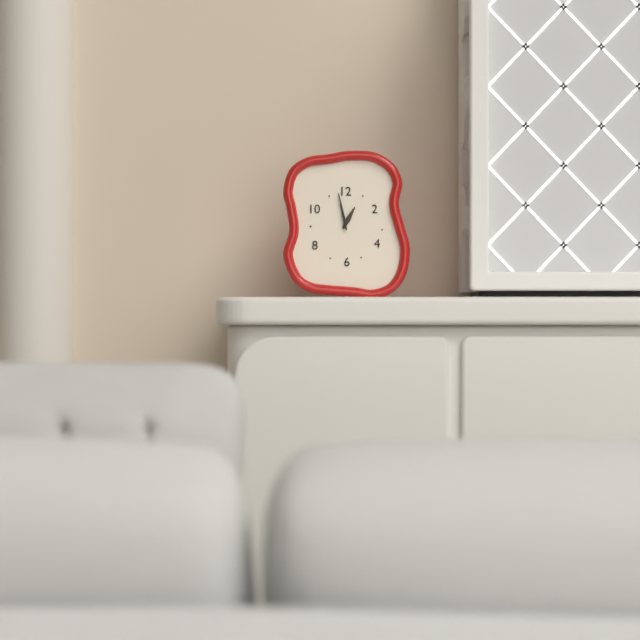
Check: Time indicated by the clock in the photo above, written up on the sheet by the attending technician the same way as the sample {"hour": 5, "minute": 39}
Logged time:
{"hour": 12, "minute": 58}
